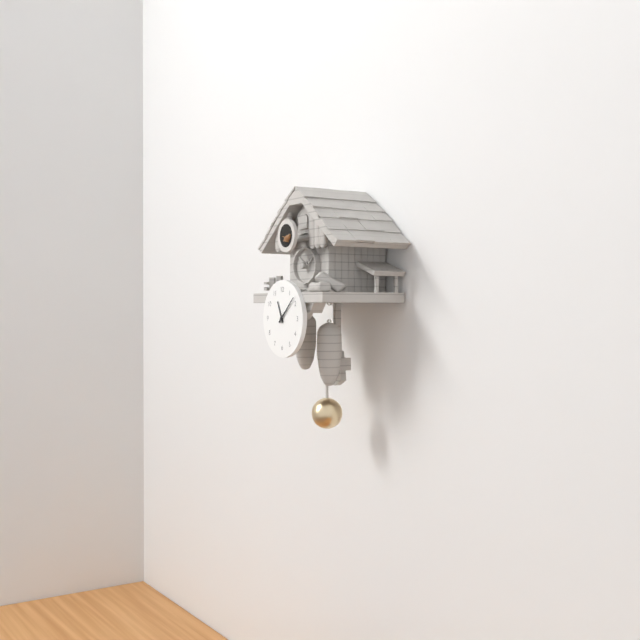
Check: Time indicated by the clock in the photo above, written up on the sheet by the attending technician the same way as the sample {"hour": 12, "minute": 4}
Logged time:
{"hour": 11, "minute": 8}
